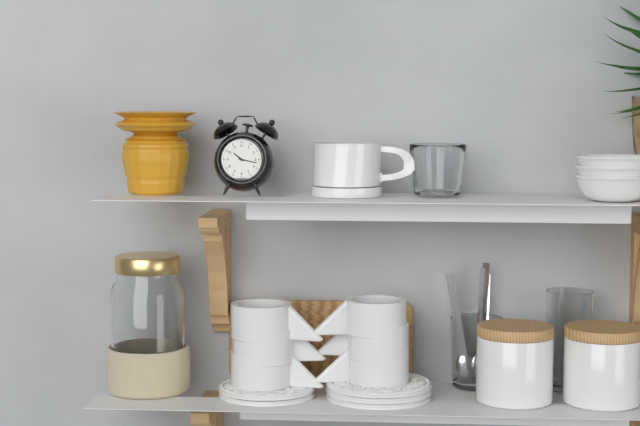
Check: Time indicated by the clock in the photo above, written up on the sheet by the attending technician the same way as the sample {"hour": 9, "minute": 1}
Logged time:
{"hour": 10, "minute": 17}
